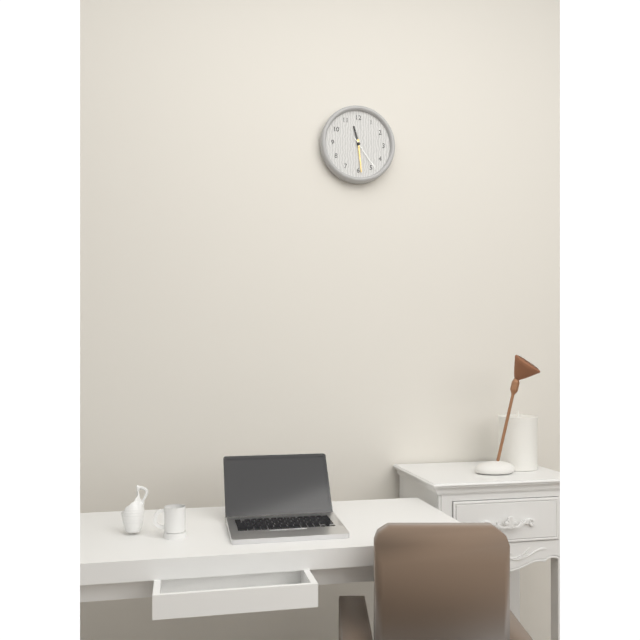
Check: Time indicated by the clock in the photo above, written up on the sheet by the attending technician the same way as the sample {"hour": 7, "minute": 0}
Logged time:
{"hour": 11, "minute": 29}
